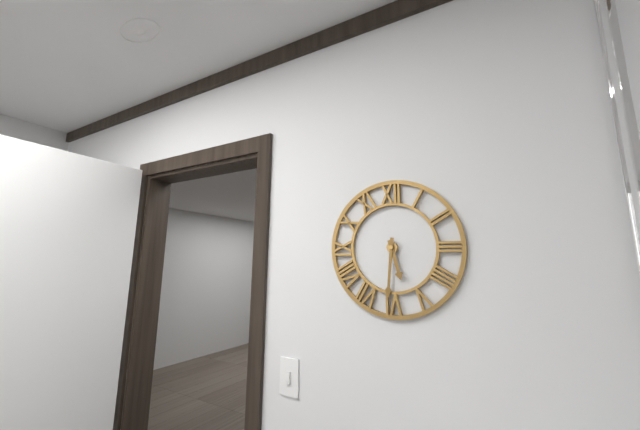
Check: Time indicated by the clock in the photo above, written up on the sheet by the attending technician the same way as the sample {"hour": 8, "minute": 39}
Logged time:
{"hour": 5, "minute": 31}
